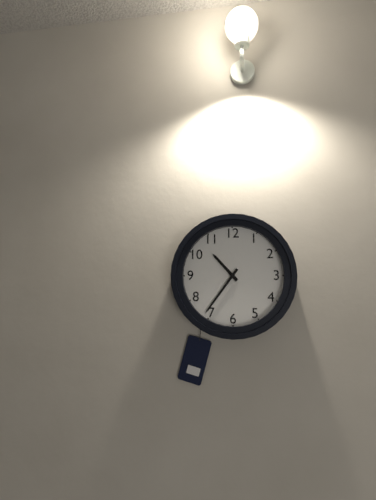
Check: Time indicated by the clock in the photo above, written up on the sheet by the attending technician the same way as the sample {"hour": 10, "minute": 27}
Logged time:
{"hour": 10, "minute": 36}
